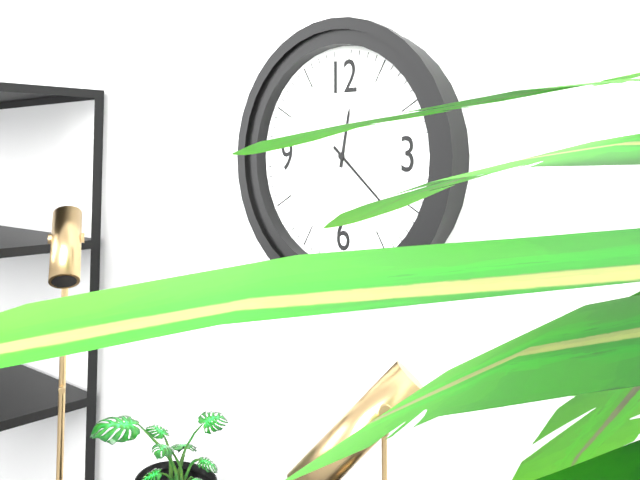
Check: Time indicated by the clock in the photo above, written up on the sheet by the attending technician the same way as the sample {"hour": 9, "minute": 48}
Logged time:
{"hour": 12, "minute": 22}
